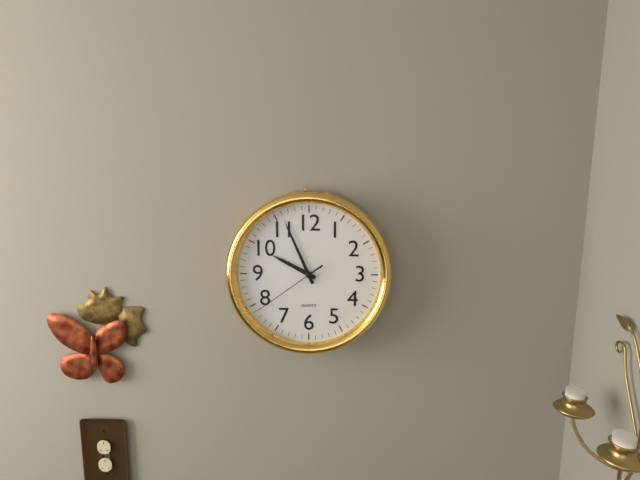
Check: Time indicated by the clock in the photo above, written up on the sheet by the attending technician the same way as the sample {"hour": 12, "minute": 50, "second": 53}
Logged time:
{"hour": 9, "minute": 56, "second": 39}
